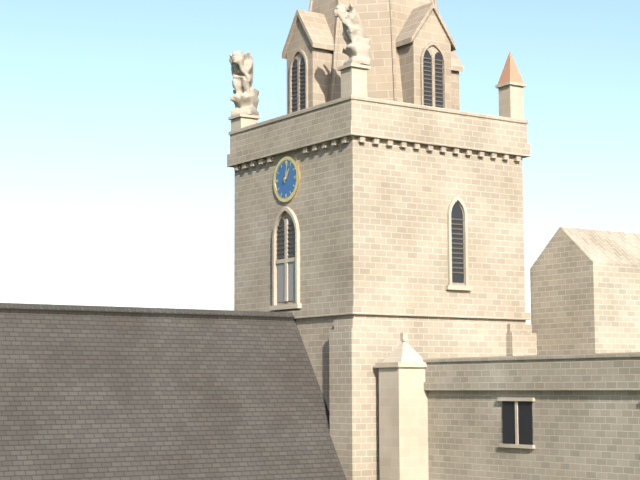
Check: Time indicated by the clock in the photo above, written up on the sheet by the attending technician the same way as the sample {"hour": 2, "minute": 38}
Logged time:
{"hour": 1, "minute": 2}
